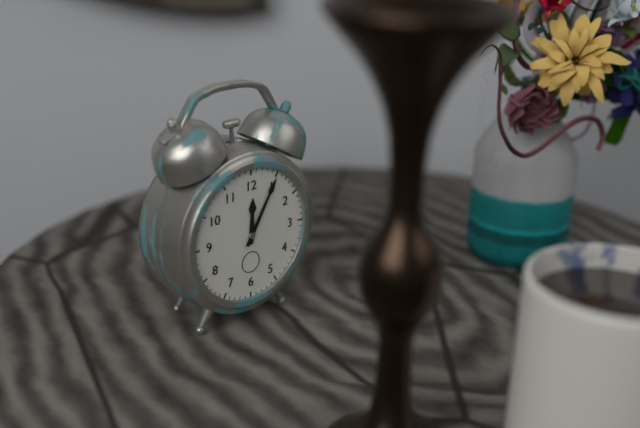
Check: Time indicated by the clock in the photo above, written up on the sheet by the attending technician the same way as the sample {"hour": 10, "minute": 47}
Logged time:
{"hour": 12, "minute": 5}
